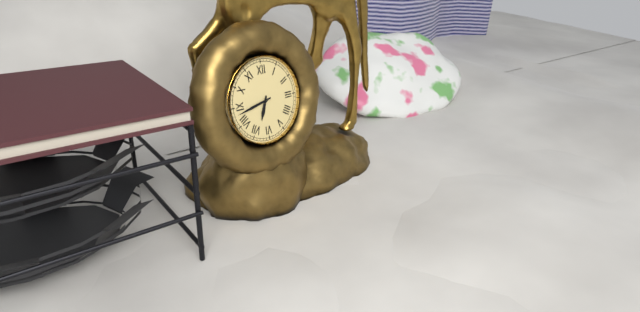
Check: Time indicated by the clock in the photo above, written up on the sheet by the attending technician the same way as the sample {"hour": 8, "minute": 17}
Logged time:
{"hour": 6, "minute": 43}
